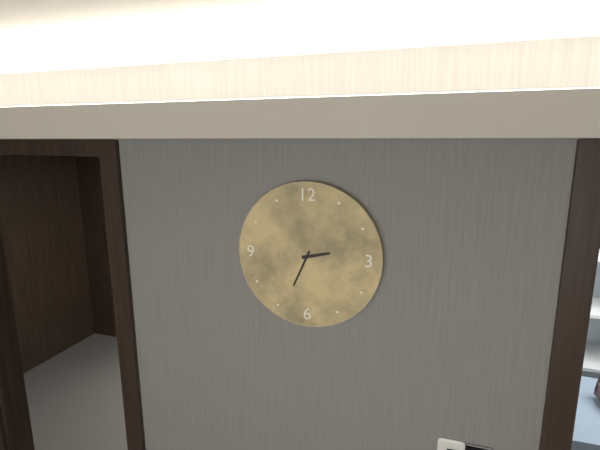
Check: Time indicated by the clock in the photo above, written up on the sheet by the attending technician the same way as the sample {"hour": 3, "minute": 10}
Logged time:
{"hour": 2, "minute": 34}
